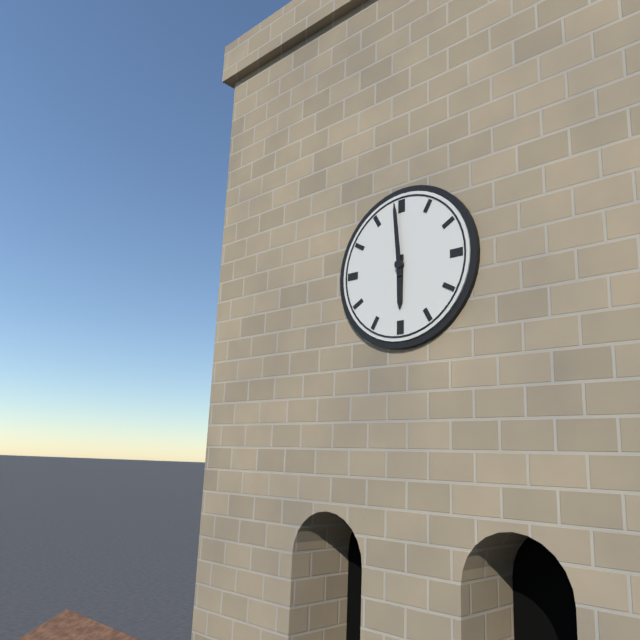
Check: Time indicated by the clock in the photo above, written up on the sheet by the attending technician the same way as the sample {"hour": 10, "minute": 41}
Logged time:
{"hour": 5, "minute": 59}
